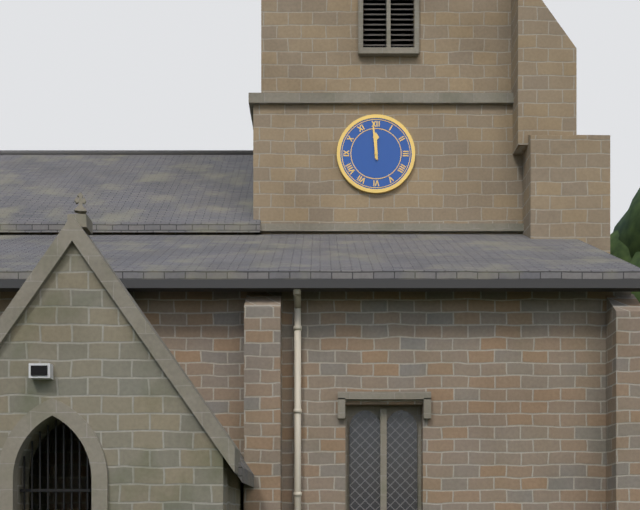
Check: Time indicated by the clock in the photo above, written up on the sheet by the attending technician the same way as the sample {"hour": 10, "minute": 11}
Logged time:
{"hour": 11, "minute": 59}
